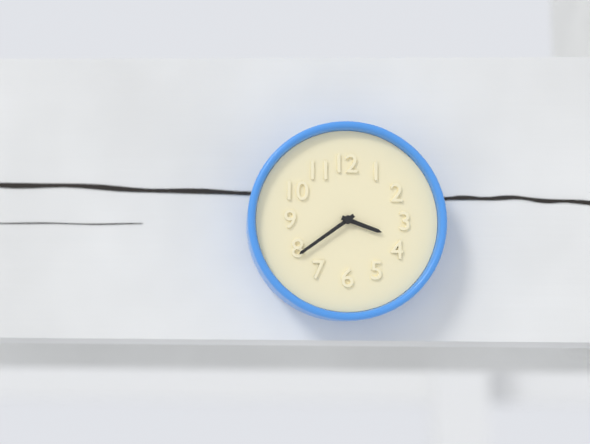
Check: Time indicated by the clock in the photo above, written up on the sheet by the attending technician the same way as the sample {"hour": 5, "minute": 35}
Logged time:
{"hour": 3, "minute": 39}
